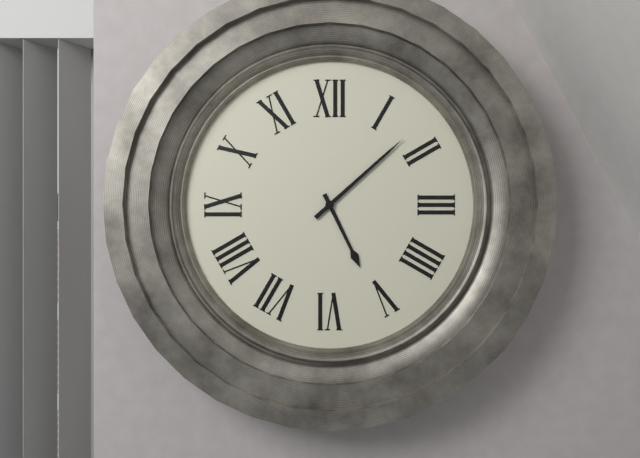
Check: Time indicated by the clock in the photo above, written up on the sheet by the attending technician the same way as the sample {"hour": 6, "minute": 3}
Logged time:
{"hour": 5, "minute": 8}
